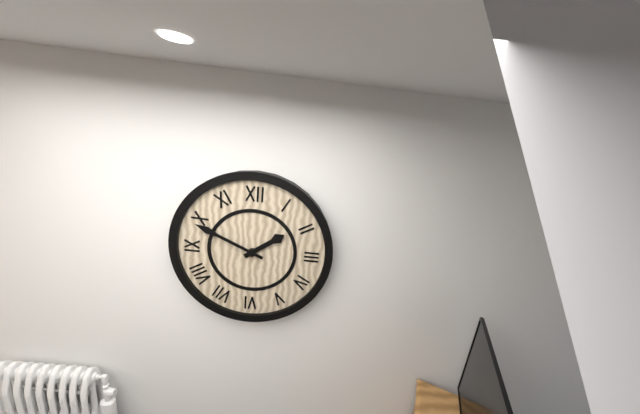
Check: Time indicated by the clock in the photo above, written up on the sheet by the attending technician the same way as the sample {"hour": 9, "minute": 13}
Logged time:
{"hour": 1, "minute": 49}
